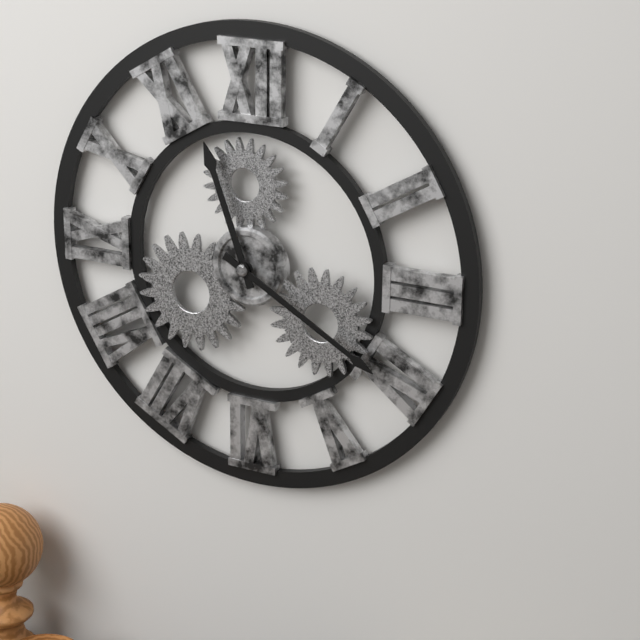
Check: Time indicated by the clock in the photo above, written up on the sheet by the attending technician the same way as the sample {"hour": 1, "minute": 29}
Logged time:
{"hour": 11, "minute": 20}
